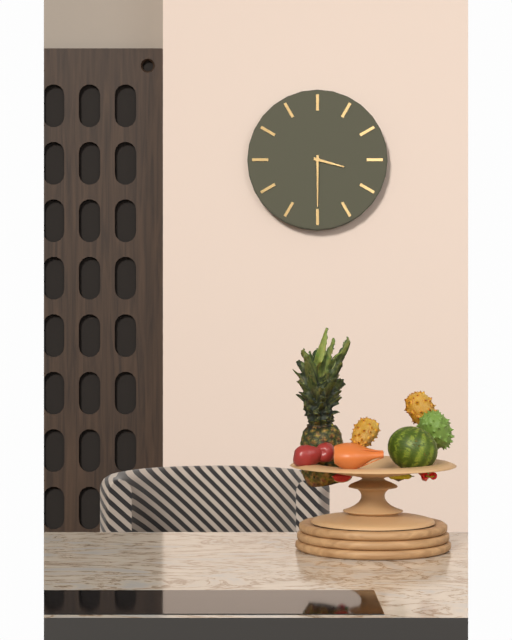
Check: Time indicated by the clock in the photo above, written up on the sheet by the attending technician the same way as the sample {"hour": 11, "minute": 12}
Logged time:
{"hour": 3, "minute": 30}
